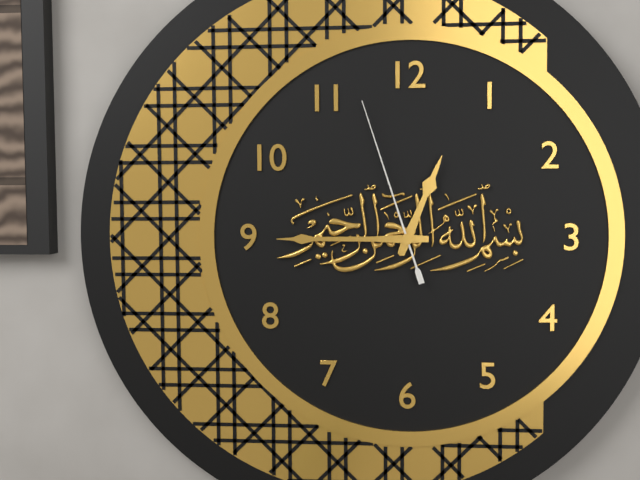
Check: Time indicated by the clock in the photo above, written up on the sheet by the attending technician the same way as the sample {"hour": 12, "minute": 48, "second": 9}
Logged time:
{"hour": 12, "minute": 45, "second": 57}
